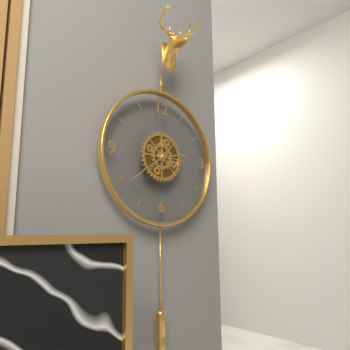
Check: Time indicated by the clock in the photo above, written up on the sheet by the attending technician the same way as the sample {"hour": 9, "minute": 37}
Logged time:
{"hour": 2, "minute": 39}
